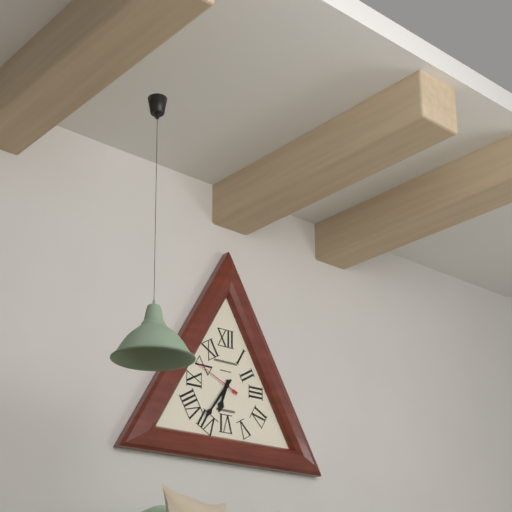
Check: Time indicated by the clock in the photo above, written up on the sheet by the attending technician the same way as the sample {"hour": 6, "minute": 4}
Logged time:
{"hour": 6, "minute": 36}
